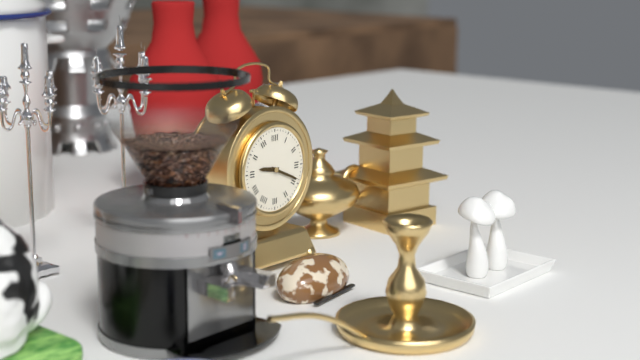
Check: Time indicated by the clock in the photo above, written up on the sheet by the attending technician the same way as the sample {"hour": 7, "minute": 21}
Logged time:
{"hour": 9, "minute": 19}
